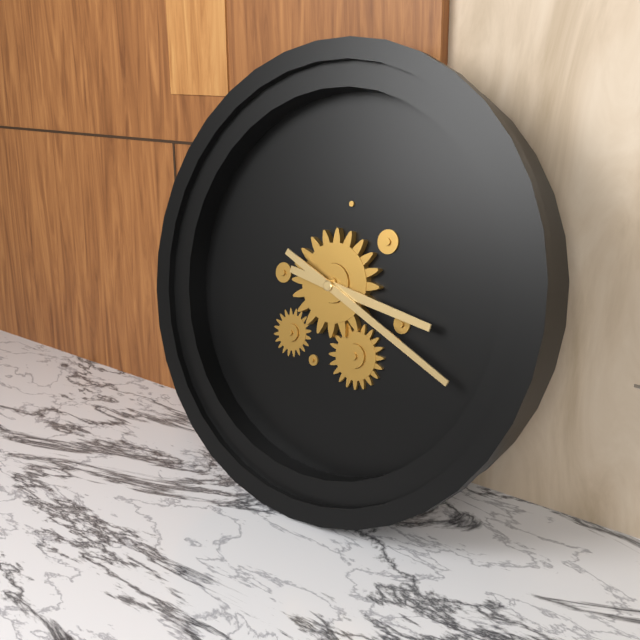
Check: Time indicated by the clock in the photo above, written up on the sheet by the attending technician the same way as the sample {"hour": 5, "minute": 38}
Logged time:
{"hour": 3, "minute": 19}
